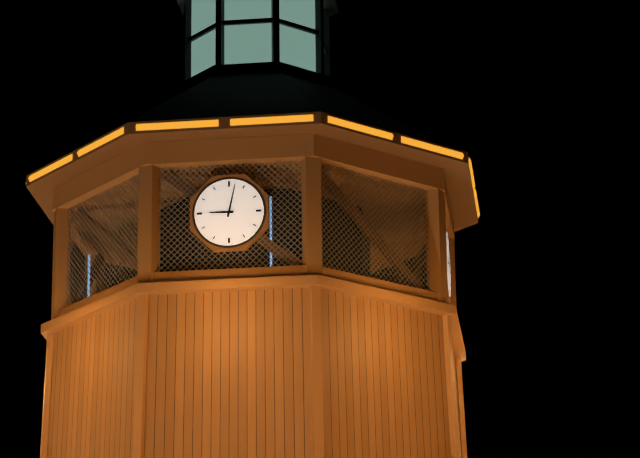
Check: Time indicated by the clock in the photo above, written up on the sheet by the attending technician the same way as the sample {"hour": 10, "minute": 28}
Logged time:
{"hour": 9, "minute": 2}
